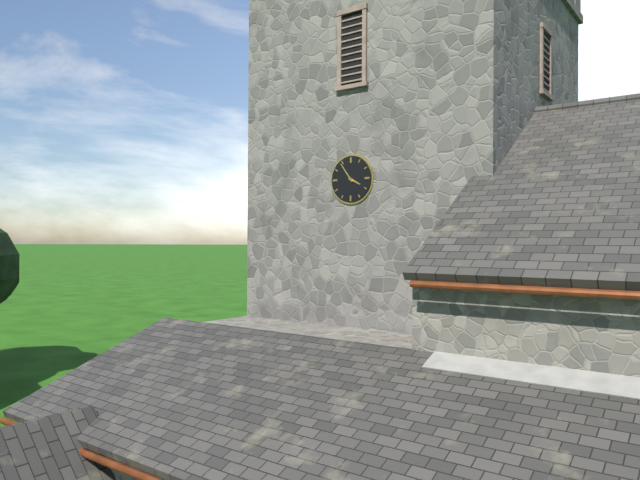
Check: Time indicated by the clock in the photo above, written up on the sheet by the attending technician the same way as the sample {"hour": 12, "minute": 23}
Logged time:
{"hour": 3, "minute": 54}
